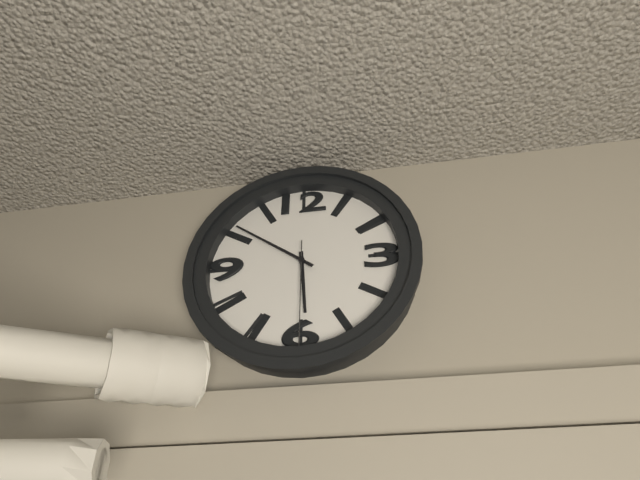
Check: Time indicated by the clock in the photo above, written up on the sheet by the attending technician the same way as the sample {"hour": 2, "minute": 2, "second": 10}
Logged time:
{"hour": 5, "minute": 51, "second": 30}
